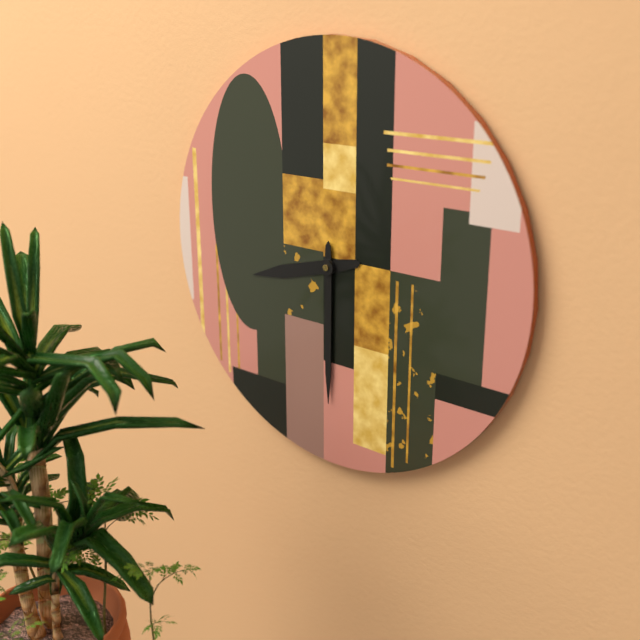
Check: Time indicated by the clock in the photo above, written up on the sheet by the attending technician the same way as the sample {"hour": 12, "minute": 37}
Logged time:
{"hour": 8, "minute": 30}
